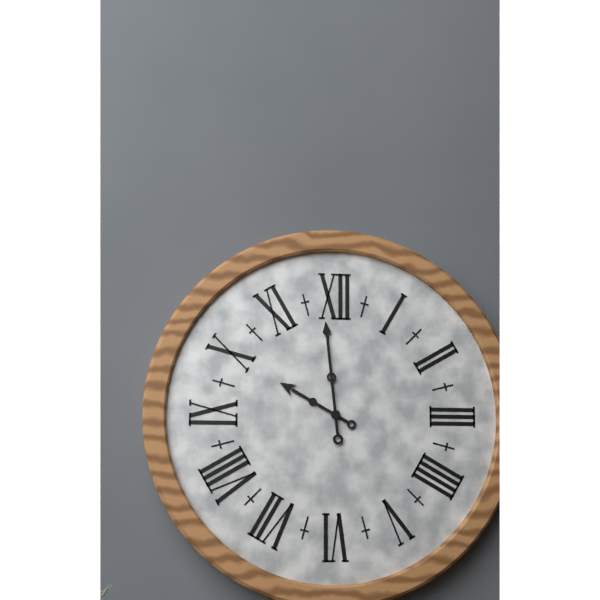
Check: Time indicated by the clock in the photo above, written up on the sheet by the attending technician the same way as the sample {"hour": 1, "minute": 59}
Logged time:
{"hour": 9, "minute": 59}
